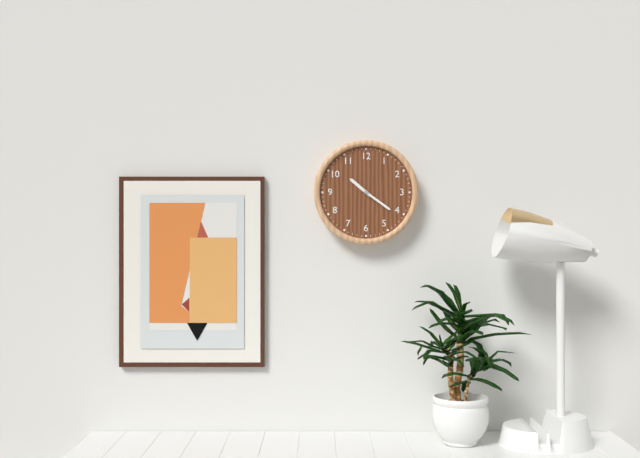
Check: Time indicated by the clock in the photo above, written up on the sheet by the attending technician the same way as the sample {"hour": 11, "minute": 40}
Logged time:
{"hour": 10, "minute": 21}
